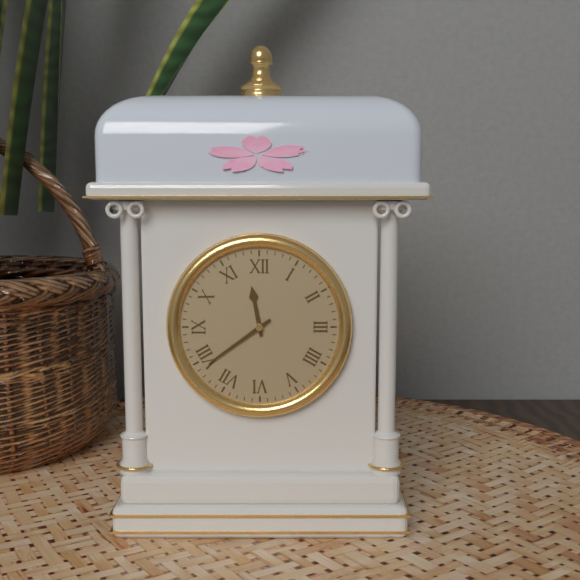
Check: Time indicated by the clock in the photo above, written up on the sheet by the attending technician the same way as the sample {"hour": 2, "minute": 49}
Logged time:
{"hour": 11, "minute": 39}
